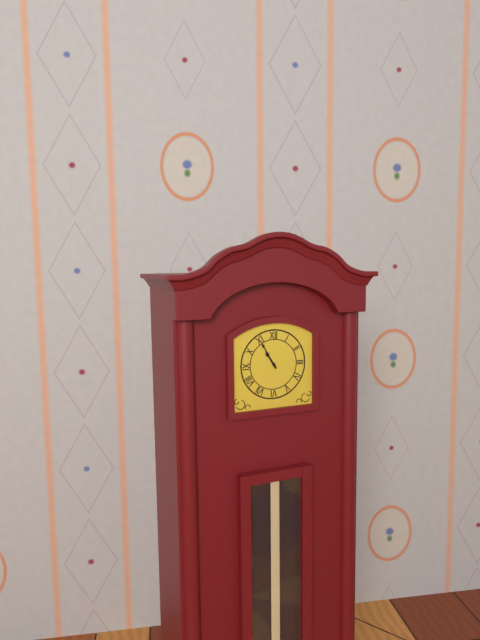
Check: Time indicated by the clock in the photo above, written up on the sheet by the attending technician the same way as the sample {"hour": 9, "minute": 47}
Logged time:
{"hour": 10, "minute": 55}
